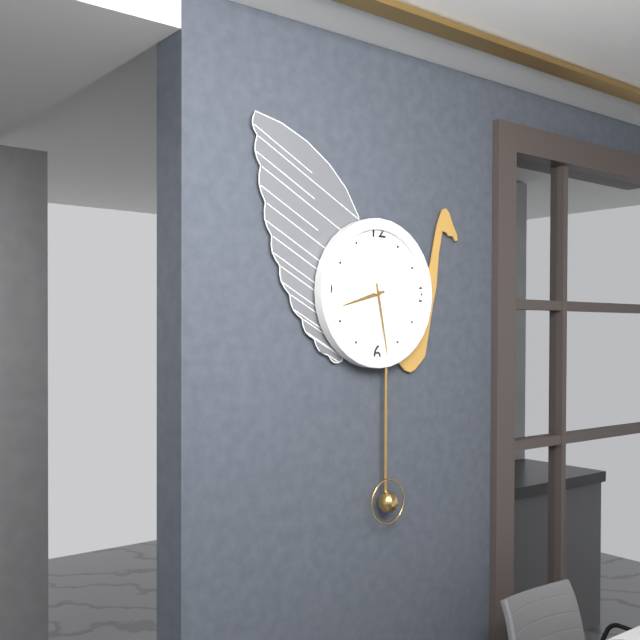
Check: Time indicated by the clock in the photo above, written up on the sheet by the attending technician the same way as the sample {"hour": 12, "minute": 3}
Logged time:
{"hour": 8, "minute": 28}
